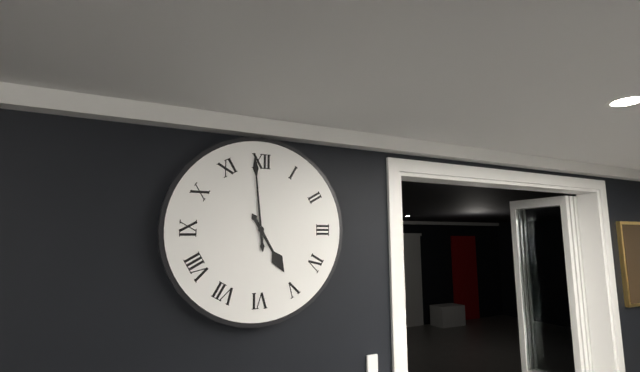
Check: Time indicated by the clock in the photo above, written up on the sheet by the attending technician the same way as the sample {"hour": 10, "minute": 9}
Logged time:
{"hour": 4, "minute": 59}
